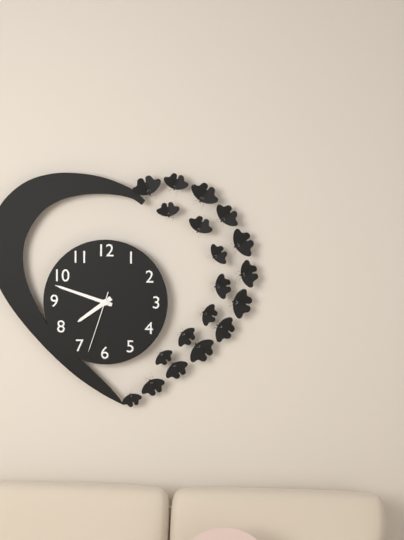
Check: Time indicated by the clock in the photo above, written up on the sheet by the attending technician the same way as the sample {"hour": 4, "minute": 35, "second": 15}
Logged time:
{"hour": 7, "minute": 48, "second": 33}
